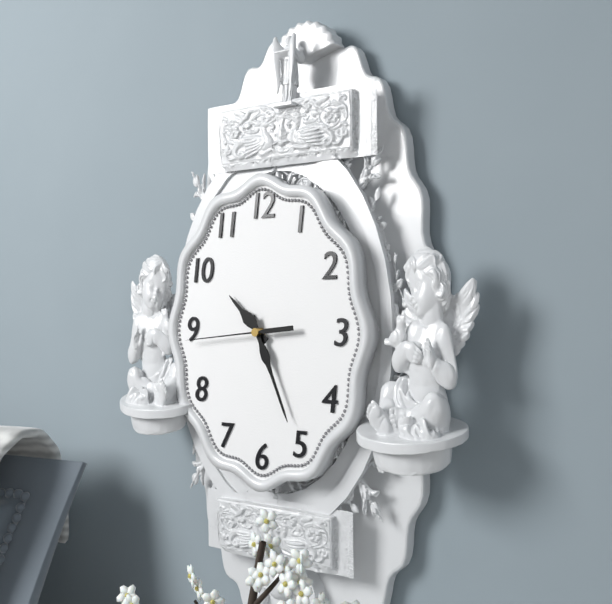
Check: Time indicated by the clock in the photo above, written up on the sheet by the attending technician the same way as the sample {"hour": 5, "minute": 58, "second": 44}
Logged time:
{"hour": 10, "minute": 26, "second": 44}
